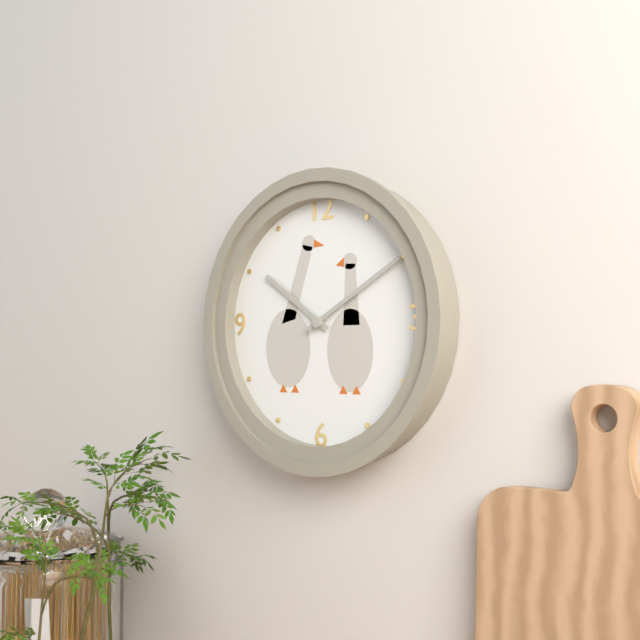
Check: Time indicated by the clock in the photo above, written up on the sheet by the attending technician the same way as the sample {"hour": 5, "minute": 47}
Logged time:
{"hour": 10, "minute": 10}
